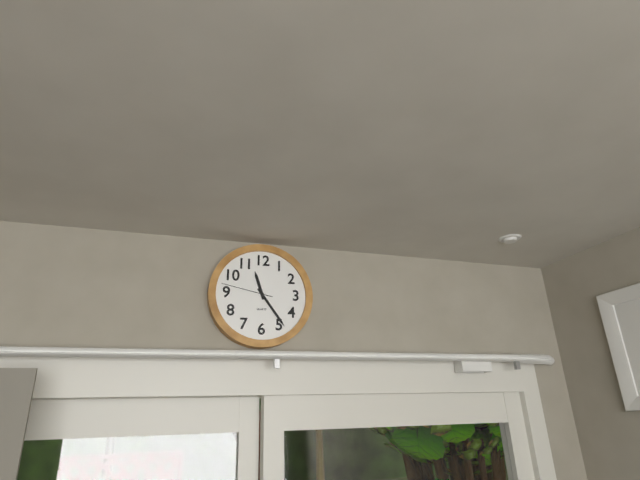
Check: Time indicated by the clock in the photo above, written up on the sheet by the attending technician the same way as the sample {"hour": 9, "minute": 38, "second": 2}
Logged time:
{"hour": 11, "minute": 24, "second": 47}
